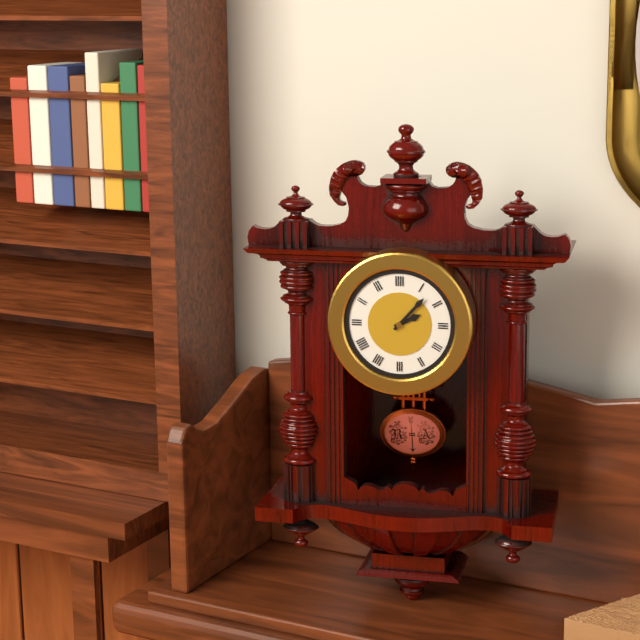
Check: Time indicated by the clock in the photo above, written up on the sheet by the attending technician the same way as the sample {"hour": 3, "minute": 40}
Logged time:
{"hour": 2, "minute": 7}
